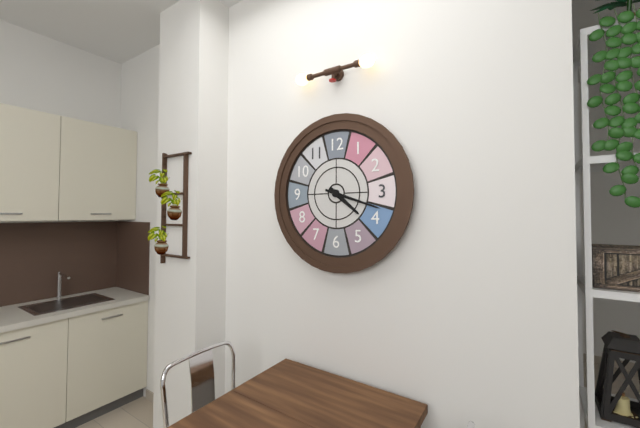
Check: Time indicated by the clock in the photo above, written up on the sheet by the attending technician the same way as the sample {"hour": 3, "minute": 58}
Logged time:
{"hour": 4, "minute": 18}
